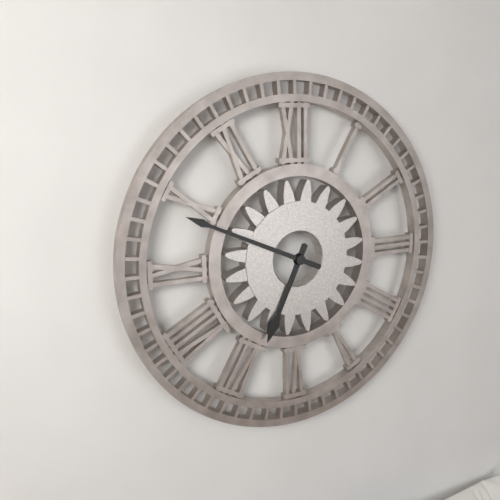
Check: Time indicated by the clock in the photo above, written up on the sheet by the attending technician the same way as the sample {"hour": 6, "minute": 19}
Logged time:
{"hour": 6, "minute": 49}
